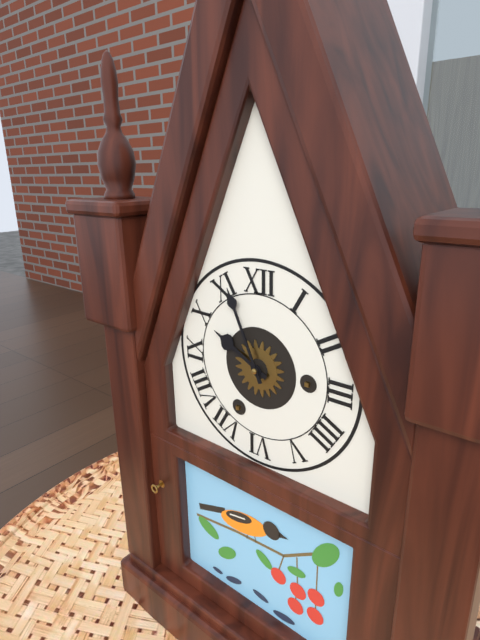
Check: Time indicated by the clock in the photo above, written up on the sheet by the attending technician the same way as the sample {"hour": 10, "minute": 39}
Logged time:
{"hour": 9, "minute": 56}
